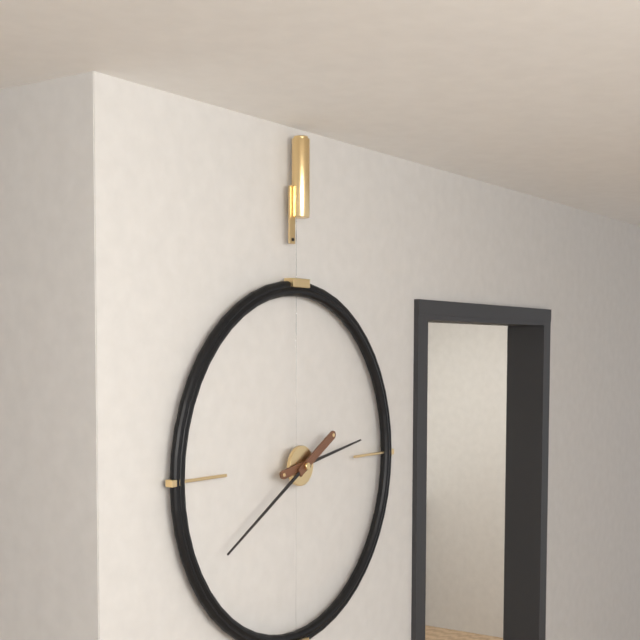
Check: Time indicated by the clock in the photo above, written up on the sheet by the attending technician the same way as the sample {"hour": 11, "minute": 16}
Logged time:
{"hour": 2, "minute": 40}
